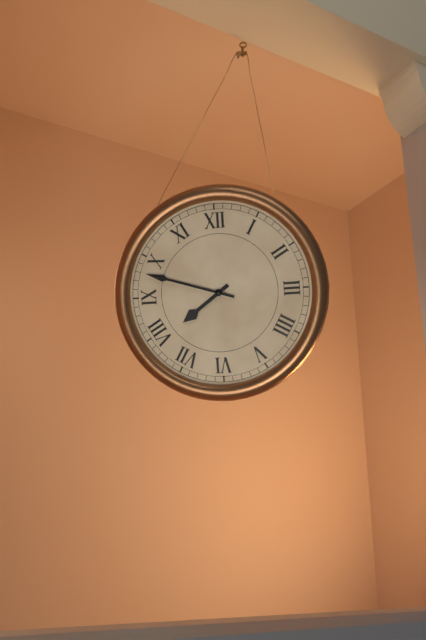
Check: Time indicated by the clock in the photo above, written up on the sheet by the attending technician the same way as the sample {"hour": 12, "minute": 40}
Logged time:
{"hour": 7, "minute": 48}
